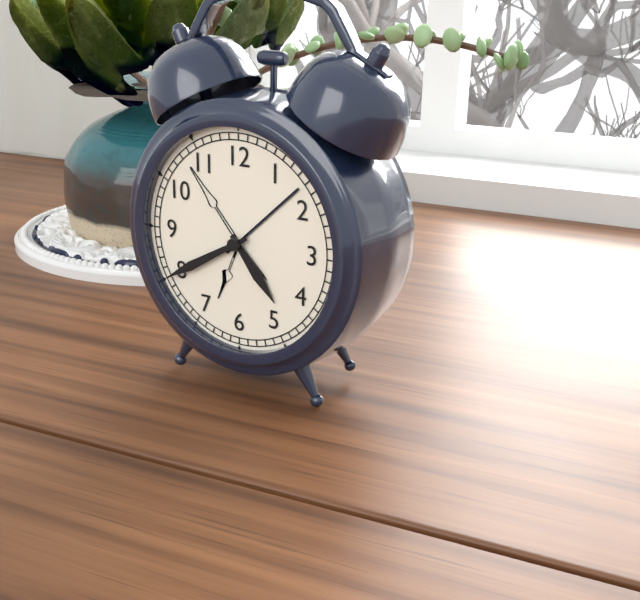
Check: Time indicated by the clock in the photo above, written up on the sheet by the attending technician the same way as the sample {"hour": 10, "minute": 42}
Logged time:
{"hour": 4, "minute": 40}
